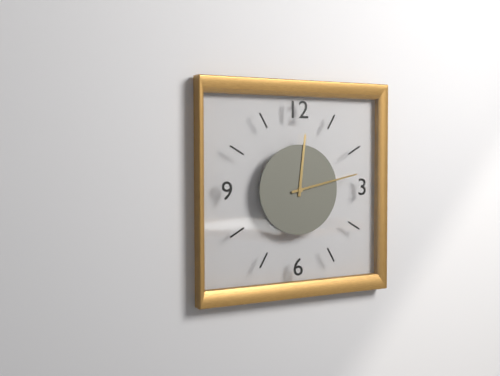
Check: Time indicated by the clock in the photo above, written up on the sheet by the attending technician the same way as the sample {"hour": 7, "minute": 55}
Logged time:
{"hour": 12, "minute": 13}
